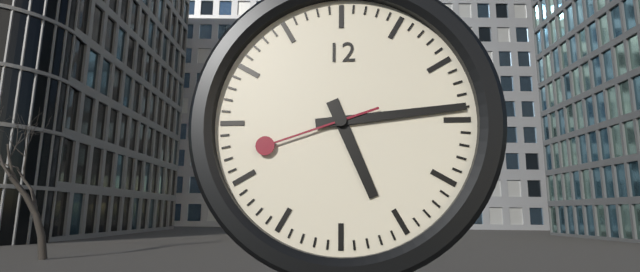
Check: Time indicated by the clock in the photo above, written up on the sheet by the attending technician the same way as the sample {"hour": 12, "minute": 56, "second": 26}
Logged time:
{"hour": 5, "minute": 14, "second": 42}
